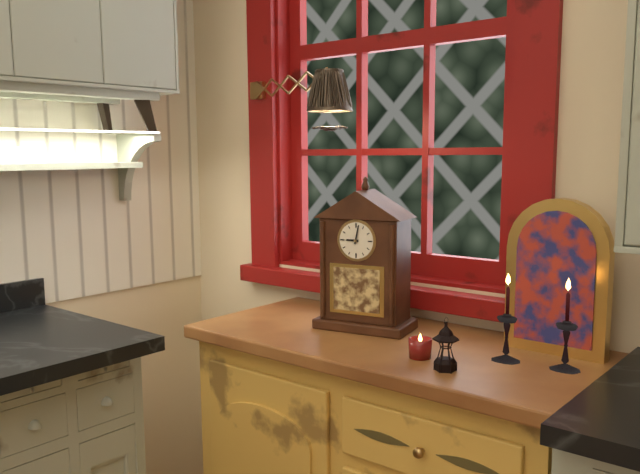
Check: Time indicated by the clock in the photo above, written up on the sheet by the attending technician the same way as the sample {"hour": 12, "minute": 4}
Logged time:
{"hour": 9, "minute": 2}
